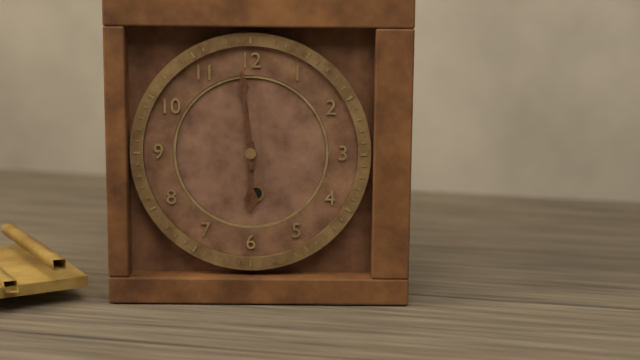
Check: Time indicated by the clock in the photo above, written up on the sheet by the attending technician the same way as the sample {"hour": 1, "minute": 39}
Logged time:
{"hour": 5, "minute": 59}
